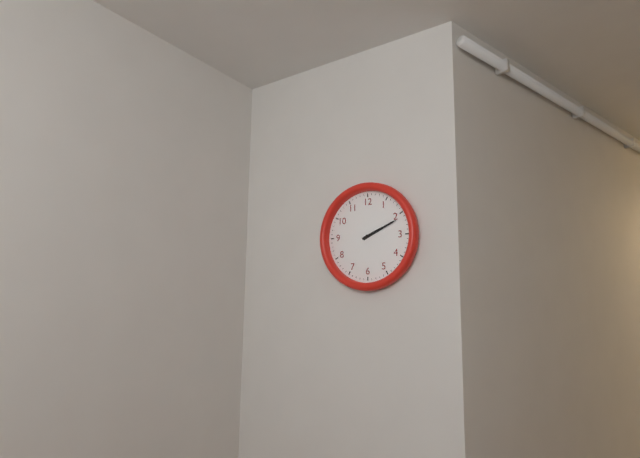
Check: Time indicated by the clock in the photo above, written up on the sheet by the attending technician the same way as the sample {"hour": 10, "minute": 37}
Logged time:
{"hour": 2, "minute": 11}
